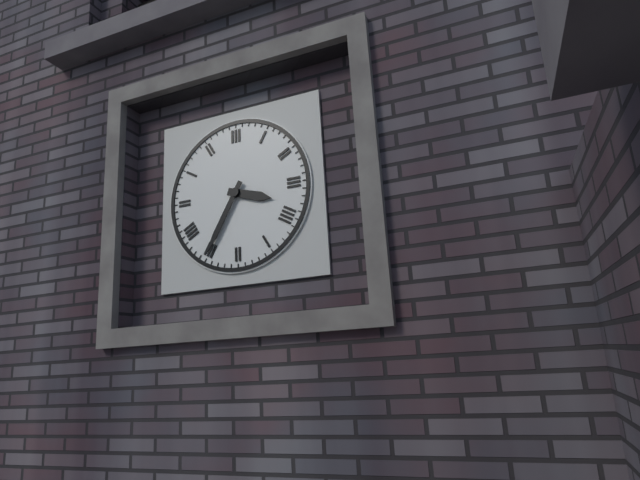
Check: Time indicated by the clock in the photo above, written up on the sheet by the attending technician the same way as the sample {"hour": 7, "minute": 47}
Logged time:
{"hour": 3, "minute": 35}
